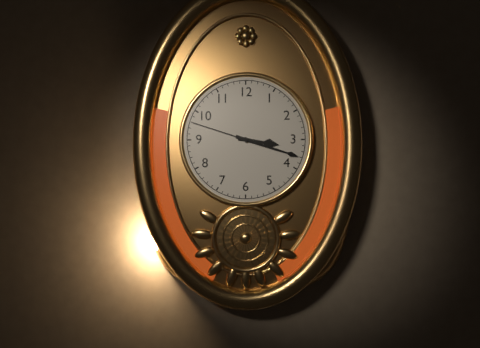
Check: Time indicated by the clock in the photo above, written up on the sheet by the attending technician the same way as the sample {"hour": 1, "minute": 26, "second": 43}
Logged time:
{"hour": 3, "minute": 18, "second": 48}
